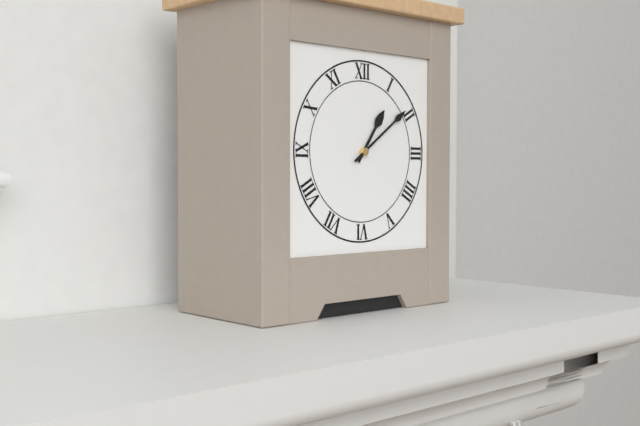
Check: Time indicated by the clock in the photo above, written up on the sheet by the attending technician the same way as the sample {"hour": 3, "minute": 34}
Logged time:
{"hour": 1, "minute": 9}
